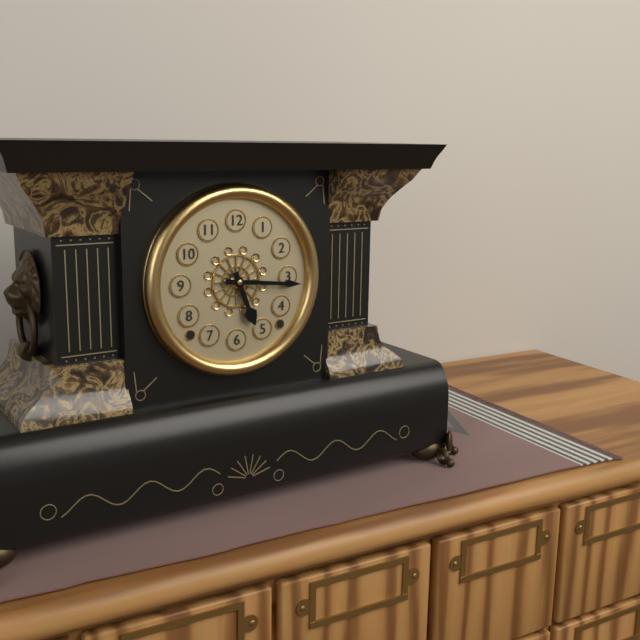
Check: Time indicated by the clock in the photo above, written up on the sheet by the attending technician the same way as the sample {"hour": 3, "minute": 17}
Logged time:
{"hour": 5, "minute": 16}
